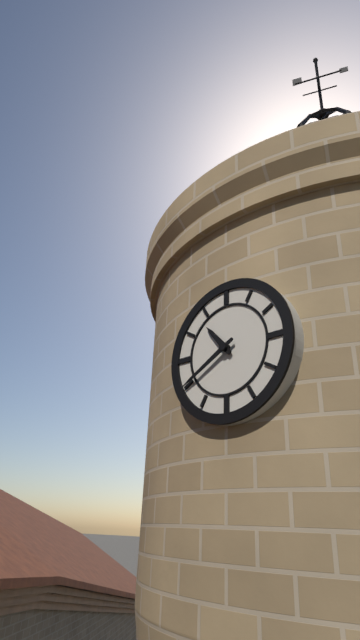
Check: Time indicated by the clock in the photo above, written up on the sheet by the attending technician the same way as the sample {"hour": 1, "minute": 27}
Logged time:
{"hour": 10, "minute": 40}
